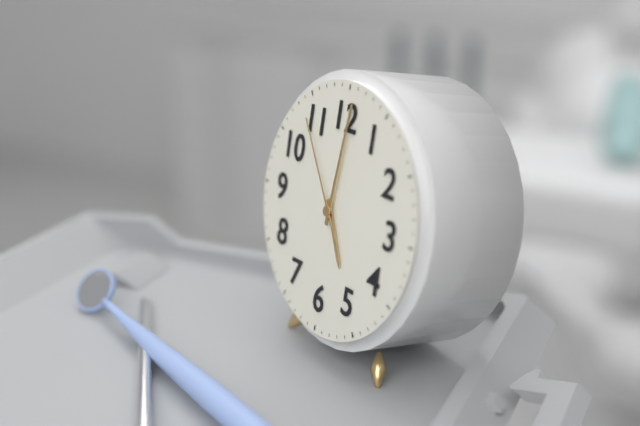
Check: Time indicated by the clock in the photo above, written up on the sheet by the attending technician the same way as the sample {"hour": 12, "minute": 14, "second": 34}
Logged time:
{"hour": 5, "minute": 1, "second": 54}
